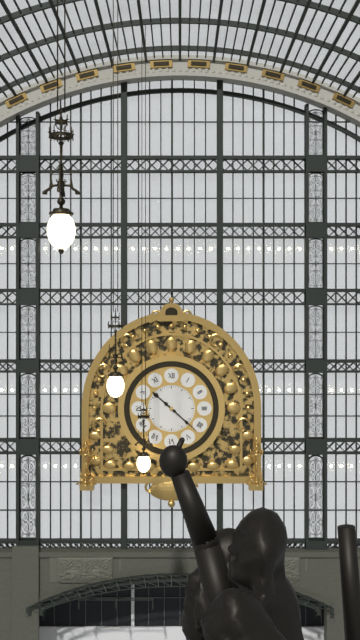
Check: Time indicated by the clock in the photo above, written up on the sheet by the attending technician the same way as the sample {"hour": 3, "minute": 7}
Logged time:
{"hour": 10, "minute": 22}
